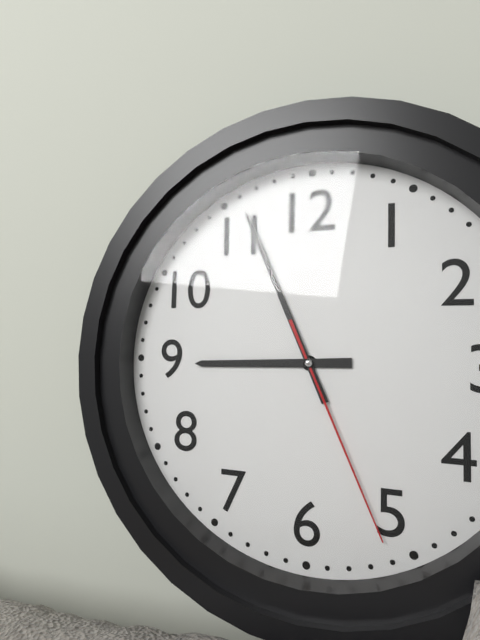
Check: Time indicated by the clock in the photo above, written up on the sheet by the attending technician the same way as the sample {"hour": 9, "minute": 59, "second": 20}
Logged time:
{"hour": 8, "minute": 56, "second": 26}
